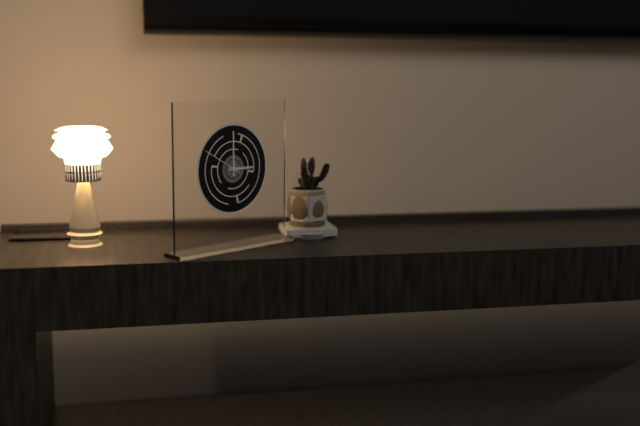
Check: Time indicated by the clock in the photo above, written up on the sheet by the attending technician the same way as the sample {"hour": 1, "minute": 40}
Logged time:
{"hour": 3, "minute": 0}
